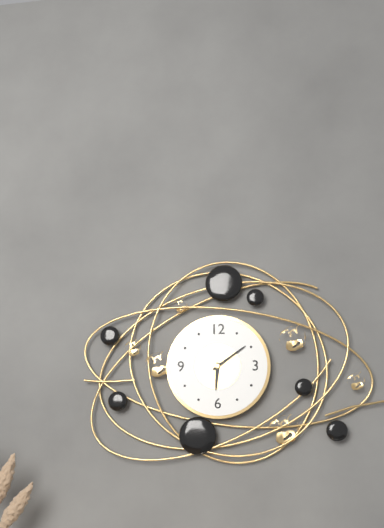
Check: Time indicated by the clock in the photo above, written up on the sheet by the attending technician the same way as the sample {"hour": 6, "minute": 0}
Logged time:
{"hour": 6, "minute": 9}
